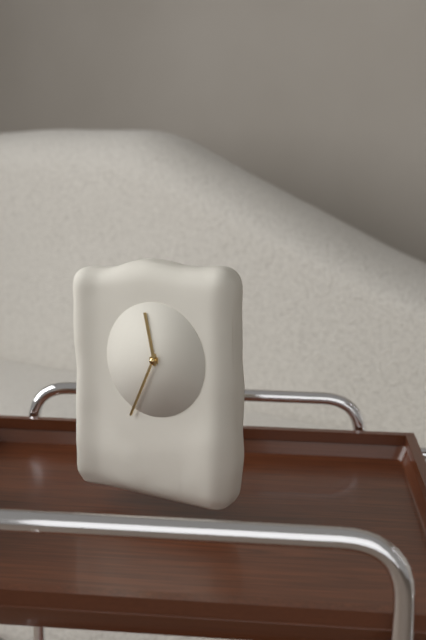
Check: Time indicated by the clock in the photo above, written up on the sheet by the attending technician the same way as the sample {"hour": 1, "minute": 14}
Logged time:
{"hour": 11, "minute": 34}
